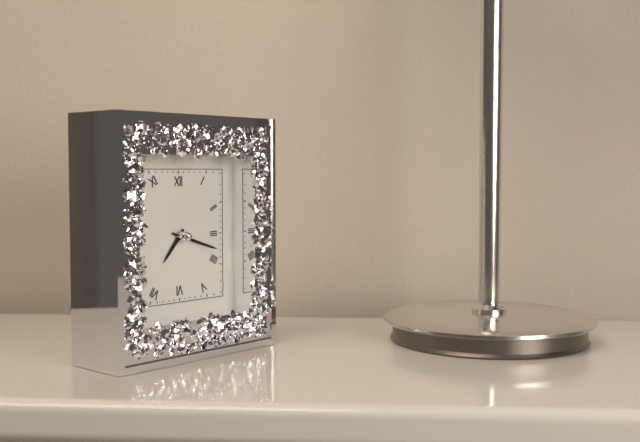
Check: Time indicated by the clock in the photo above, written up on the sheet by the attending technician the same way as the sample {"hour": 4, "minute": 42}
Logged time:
{"hour": 7, "minute": 18}
